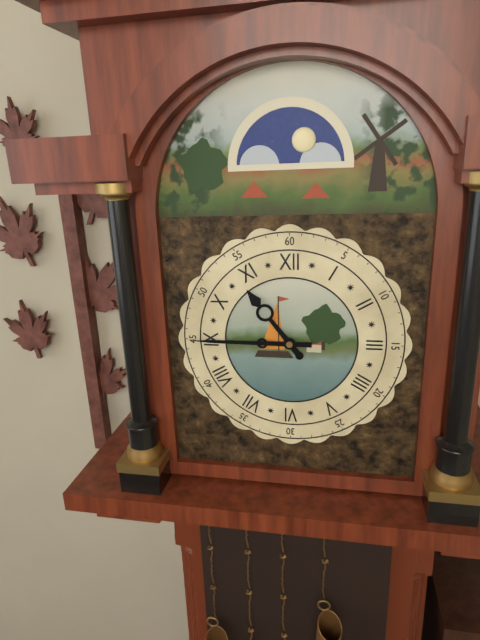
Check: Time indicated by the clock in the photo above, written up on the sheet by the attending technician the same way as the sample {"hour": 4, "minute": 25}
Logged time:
{"hour": 10, "minute": 45}
